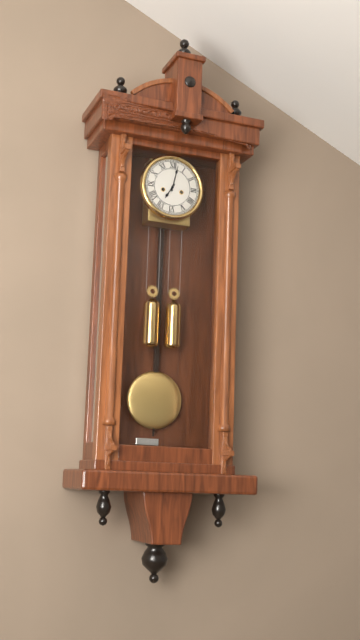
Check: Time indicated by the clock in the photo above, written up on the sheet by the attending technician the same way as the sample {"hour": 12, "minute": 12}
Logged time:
{"hour": 7, "minute": 2}
